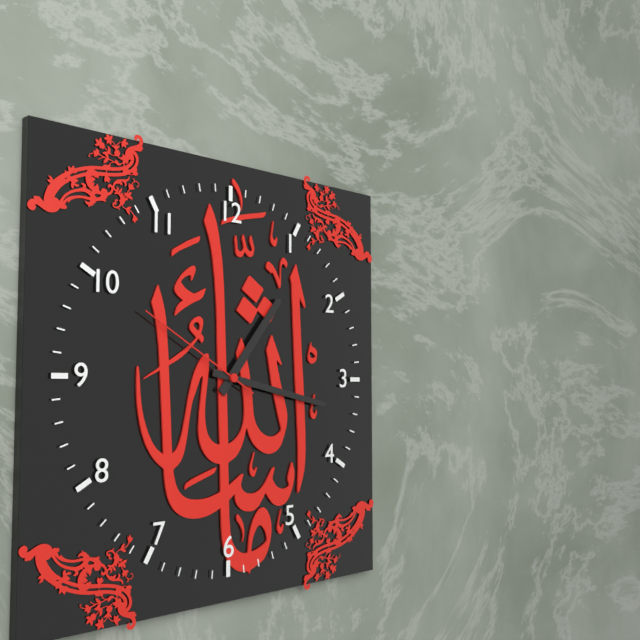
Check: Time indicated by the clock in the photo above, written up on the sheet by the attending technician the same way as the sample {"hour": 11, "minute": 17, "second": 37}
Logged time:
{"hour": 1, "minute": 17, "second": 50}
